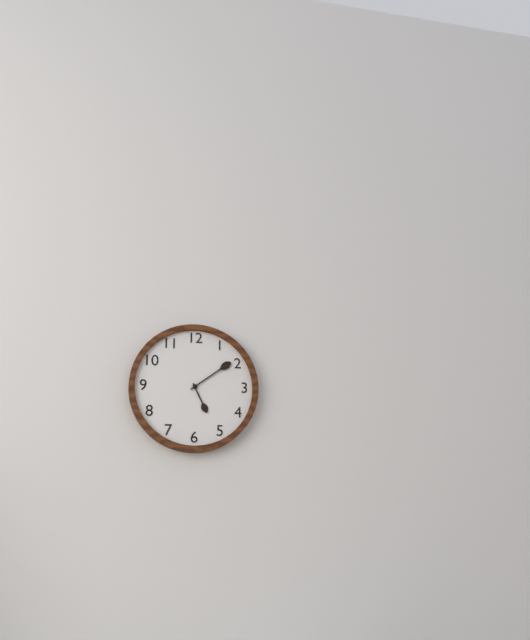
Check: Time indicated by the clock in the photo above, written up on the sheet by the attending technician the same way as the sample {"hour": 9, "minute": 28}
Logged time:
{"hour": 5, "minute": 9}
